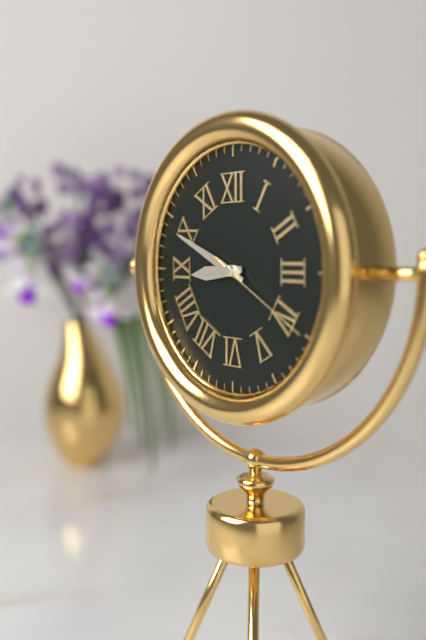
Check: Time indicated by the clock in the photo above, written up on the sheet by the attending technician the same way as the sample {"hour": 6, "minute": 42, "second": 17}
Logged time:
{"hour": 8, "minute": 49, "second": 20}
